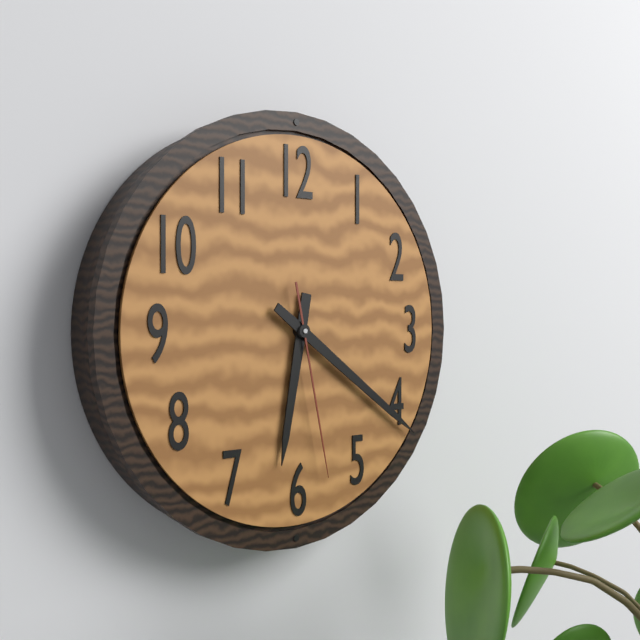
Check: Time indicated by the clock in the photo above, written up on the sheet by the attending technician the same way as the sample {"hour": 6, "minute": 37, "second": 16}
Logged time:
{"hour": 6, "minute": 21, "second": 28}
